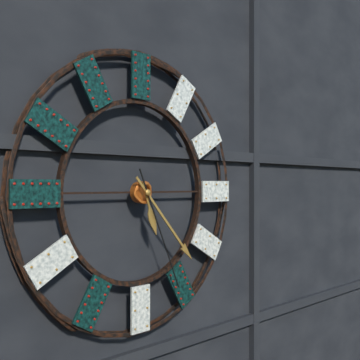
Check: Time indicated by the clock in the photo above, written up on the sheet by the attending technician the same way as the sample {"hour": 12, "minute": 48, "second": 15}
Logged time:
{"hour": 5, "minute": 23, "second": 26}
